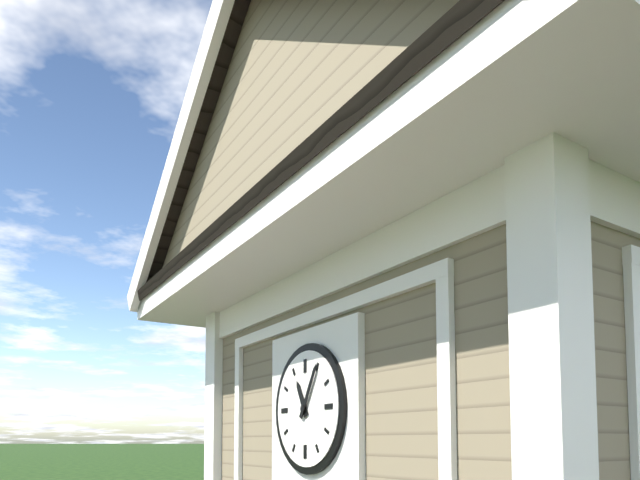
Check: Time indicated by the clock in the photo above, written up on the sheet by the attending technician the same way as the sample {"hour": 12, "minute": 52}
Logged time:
{"hour": 11, "minute": 5}
